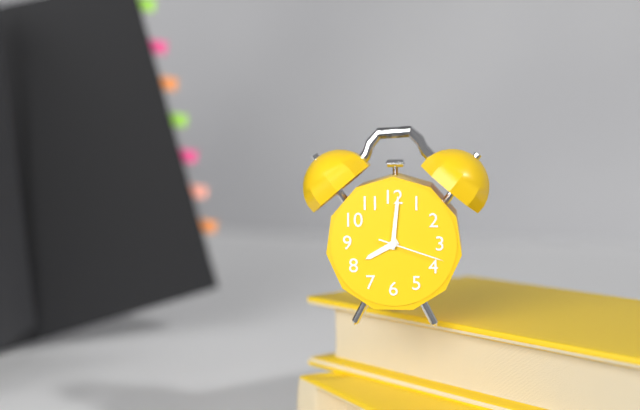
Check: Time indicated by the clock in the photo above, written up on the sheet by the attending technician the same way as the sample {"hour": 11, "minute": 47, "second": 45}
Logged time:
{"hour": 8, "minute": 1, "second": 18}
